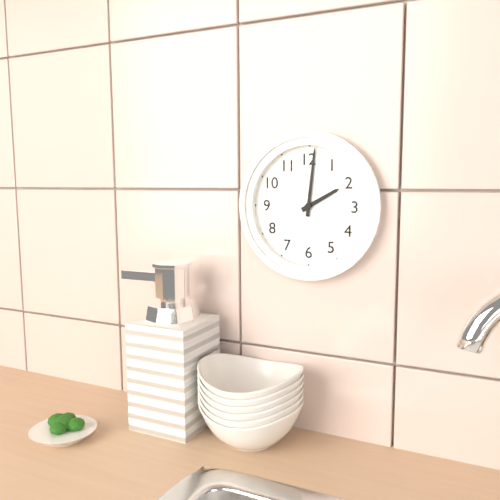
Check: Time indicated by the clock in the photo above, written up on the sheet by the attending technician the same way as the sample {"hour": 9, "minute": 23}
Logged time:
{"hour": 2, "minute": 1}
